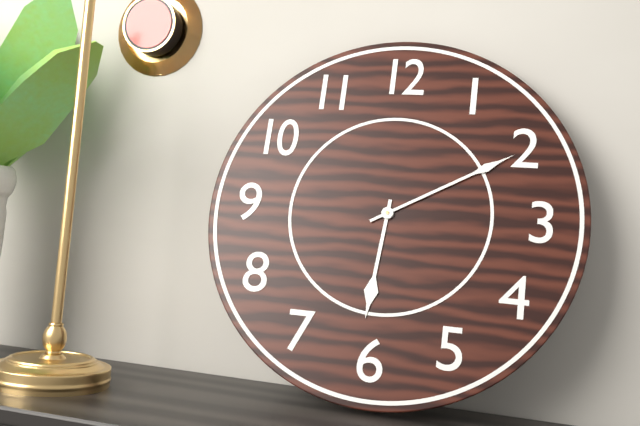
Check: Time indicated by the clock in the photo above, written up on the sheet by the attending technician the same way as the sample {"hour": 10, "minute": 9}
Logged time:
{"hour": 6, "minute": 10}
